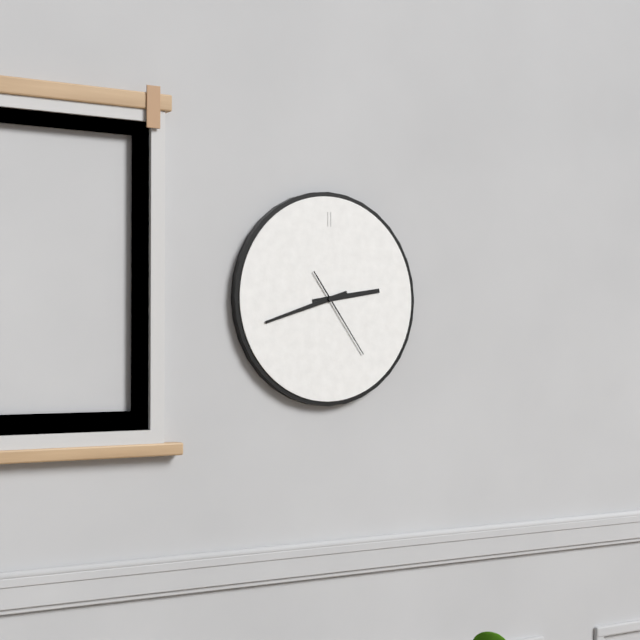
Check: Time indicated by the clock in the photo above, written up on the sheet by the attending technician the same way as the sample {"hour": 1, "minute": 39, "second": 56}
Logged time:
{"hour": 2, "minute": 42, "second": 24}
